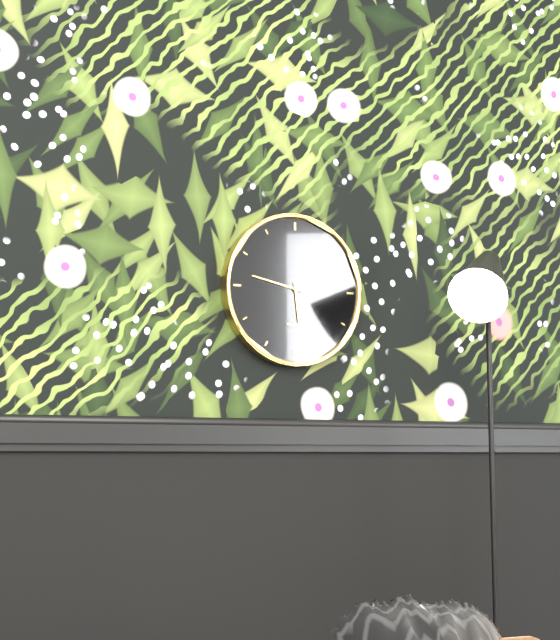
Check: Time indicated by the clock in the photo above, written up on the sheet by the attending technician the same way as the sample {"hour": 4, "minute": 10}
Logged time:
{"hour": 5, "minute": 47}
